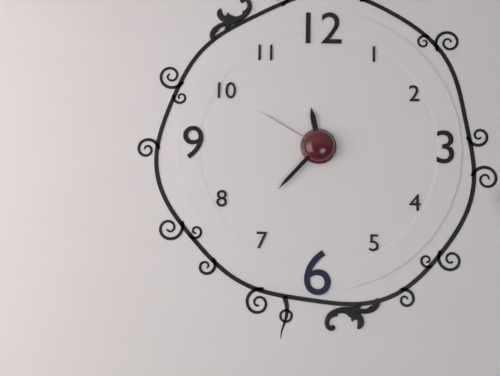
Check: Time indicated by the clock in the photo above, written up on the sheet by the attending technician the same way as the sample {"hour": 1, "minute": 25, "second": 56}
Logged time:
{"hour": 11, "minute": 37, "second": 50}
